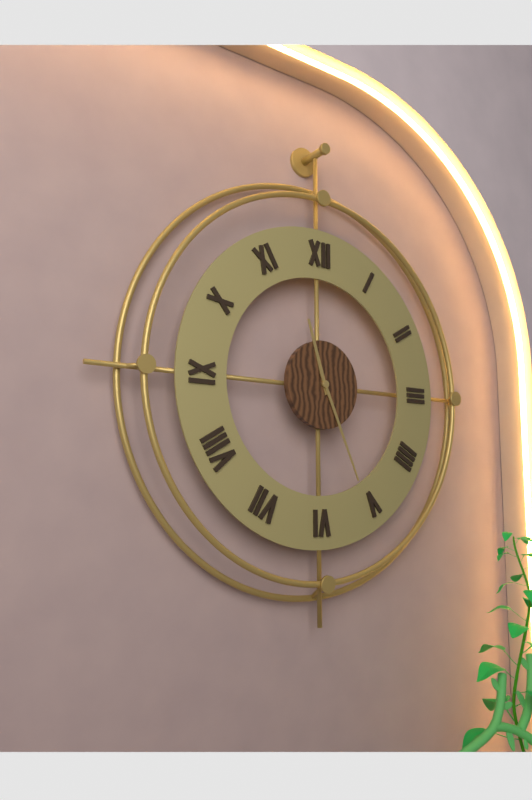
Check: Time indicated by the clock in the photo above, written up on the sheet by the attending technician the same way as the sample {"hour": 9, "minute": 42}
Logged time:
{"hour": 11, "minute": 26}
